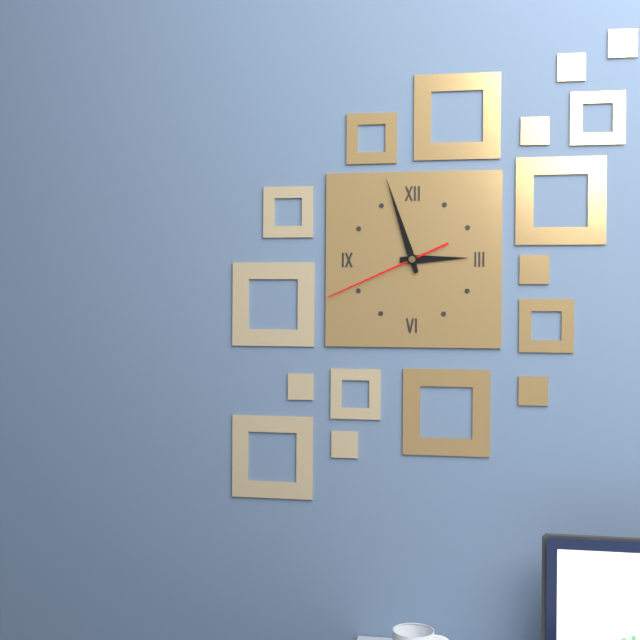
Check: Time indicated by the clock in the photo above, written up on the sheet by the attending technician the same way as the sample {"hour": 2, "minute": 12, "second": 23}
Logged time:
{"hour": 2, "minute": 57, "second": 41}
